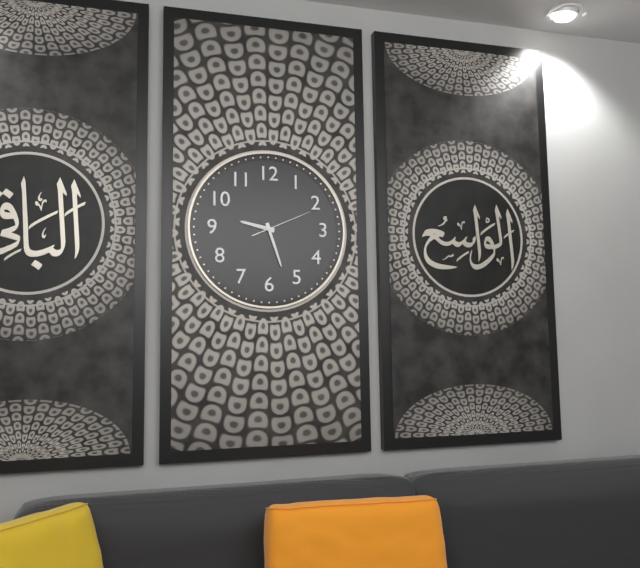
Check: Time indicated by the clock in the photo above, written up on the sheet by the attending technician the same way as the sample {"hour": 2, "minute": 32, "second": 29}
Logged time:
{"hour": 9, "minute": 27, "second": 11}
